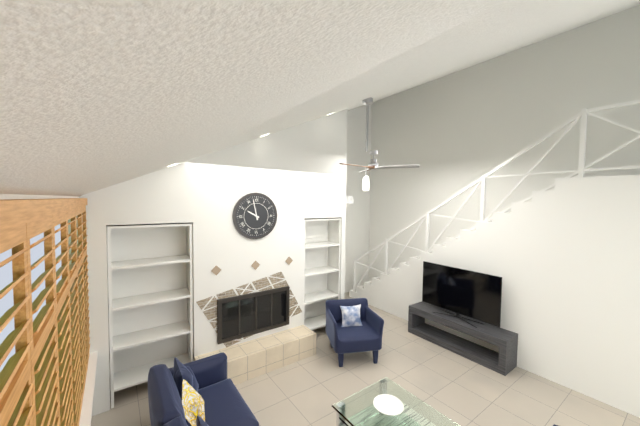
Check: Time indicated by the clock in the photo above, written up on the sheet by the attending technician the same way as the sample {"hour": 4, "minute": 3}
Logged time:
{"hour": 9, "minute": 58}
